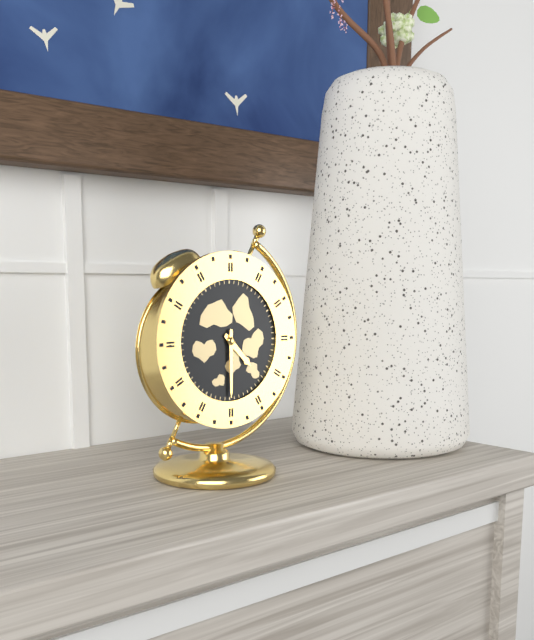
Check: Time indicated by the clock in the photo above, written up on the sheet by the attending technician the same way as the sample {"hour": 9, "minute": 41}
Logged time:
{"hour": 4, "minute": 30}
